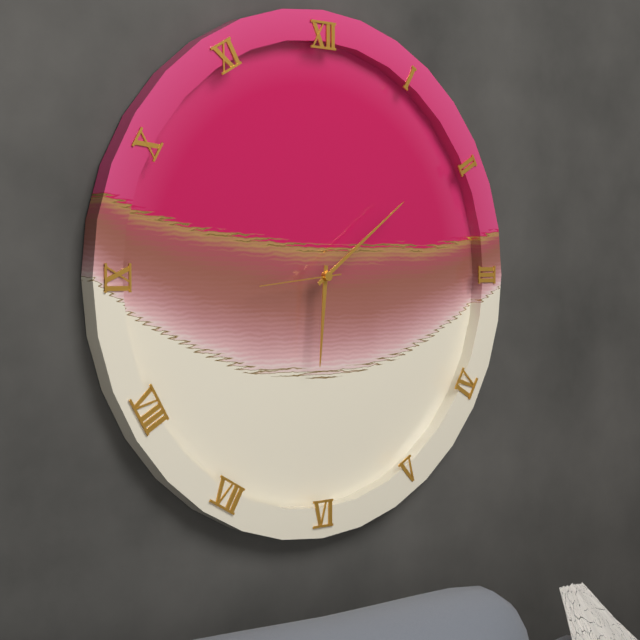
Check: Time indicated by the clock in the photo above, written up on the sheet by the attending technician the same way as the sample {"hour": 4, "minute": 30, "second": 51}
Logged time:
{"hour": 6, "minute": 9, "second": 44}
